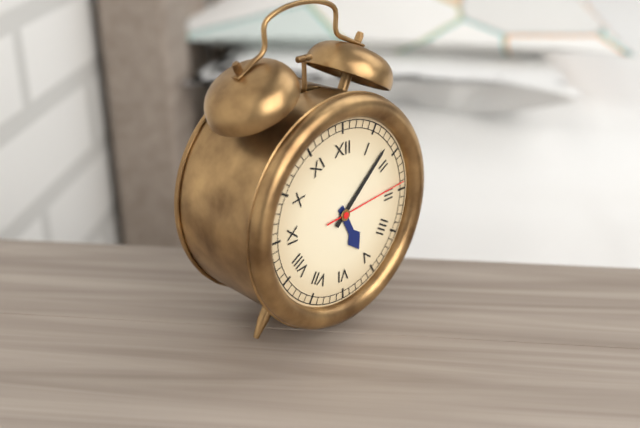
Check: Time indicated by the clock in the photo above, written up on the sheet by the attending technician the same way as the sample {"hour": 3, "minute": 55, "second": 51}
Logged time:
{"hour": 5, "minute": 8, "second": 14}
